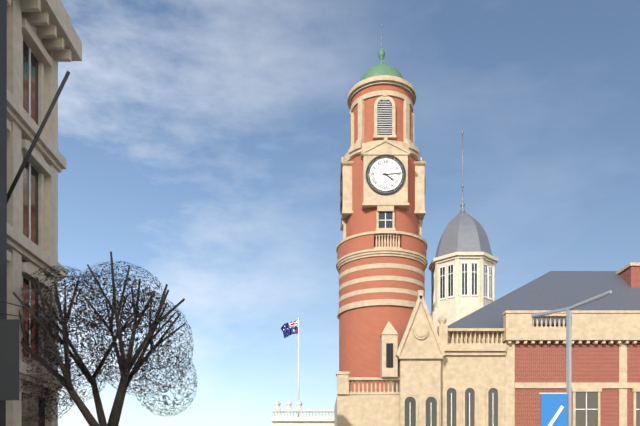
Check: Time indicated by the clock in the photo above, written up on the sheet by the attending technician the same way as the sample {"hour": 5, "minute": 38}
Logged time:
{"hour": 4, "minute": 14}
